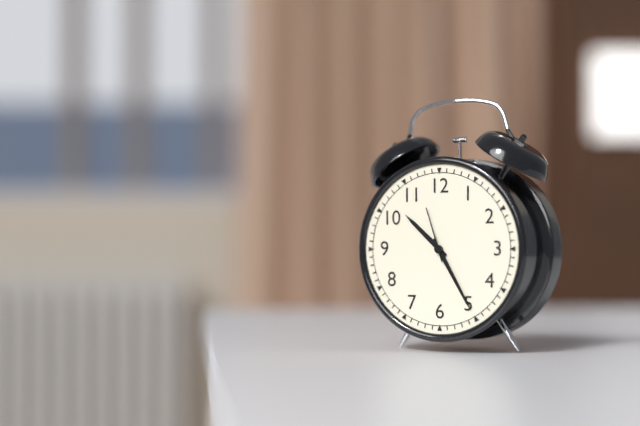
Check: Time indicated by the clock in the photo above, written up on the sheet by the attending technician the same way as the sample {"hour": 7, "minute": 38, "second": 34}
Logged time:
{"hour": 10, "minute": 25, "second": 57}
